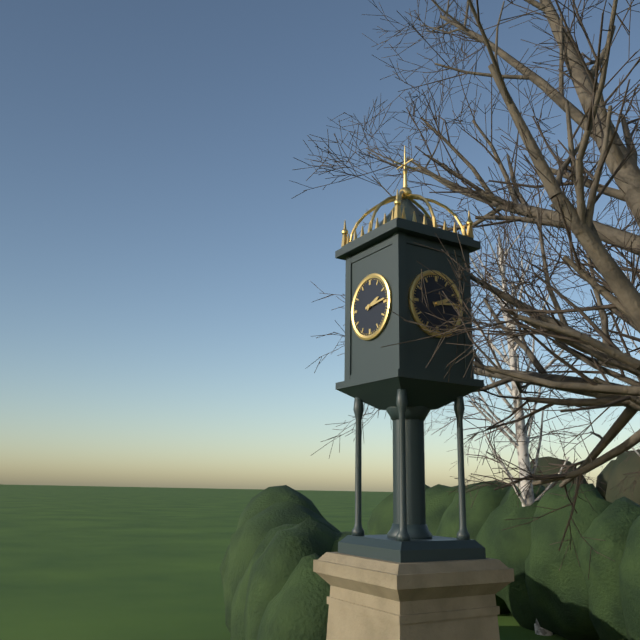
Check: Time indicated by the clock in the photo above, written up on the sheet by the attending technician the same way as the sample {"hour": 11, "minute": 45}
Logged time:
{"hour": 2, "minute": 14}
